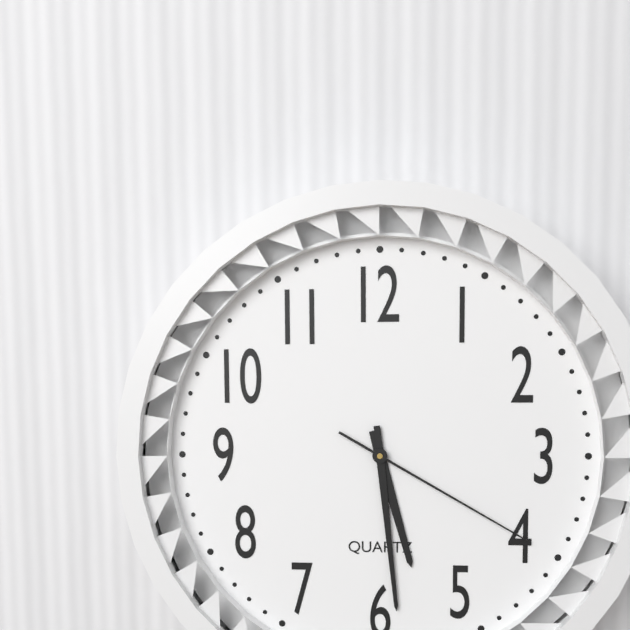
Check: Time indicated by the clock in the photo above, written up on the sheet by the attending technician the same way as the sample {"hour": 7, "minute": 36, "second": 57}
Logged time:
{"hour": 5, "minute": 29, "second": 20}
